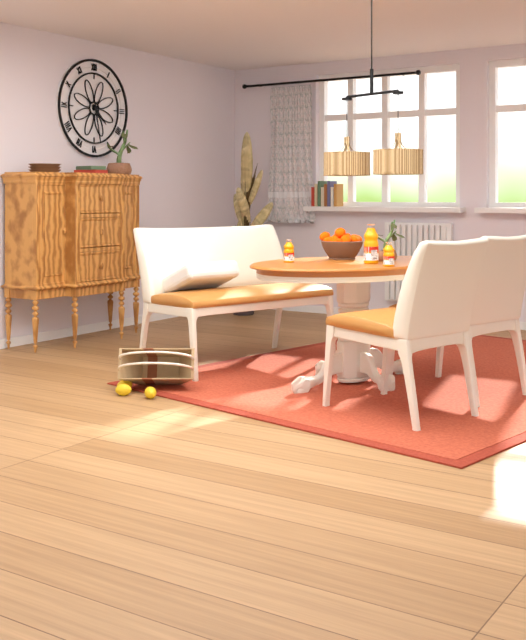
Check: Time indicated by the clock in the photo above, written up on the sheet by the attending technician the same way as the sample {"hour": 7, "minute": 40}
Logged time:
{"hour": 4, "minute": 28}
